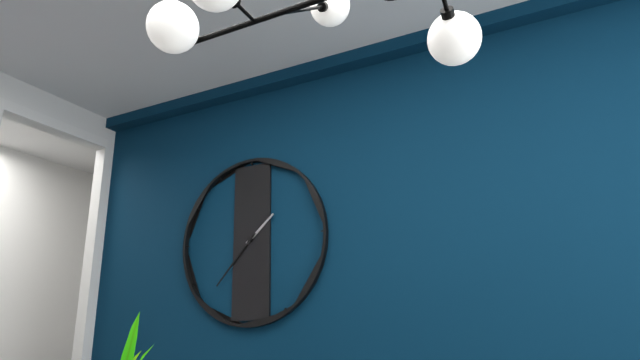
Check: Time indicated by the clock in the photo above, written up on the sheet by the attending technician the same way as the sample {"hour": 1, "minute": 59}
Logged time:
{"hour": 1, "minute": 37}
